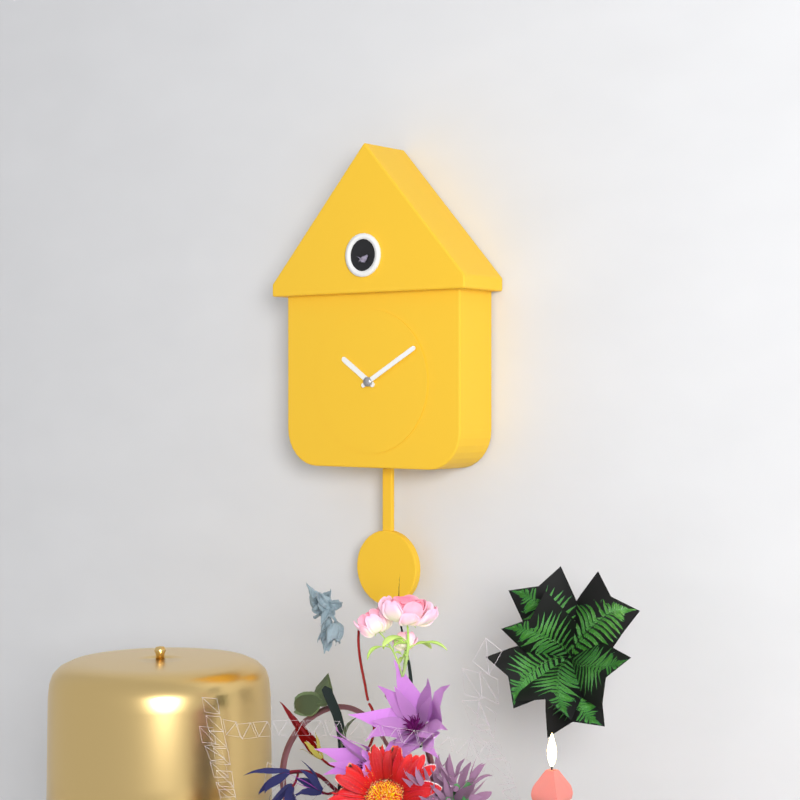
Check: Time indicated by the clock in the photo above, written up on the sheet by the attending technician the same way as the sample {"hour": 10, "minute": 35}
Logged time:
{"hour": 10, "minute": 10}
